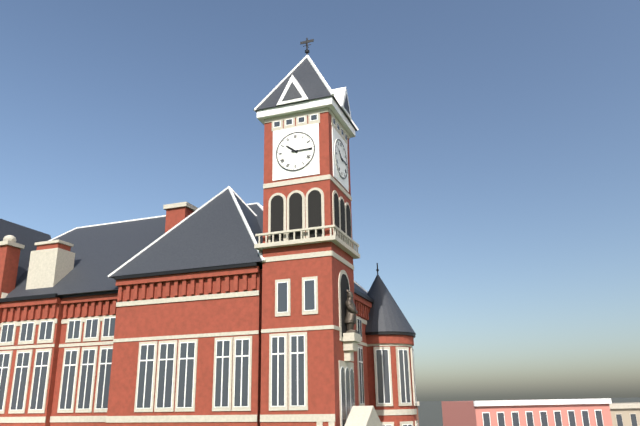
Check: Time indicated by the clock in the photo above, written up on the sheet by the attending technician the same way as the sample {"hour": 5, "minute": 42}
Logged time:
{"hour": 10, "minute": 15}
